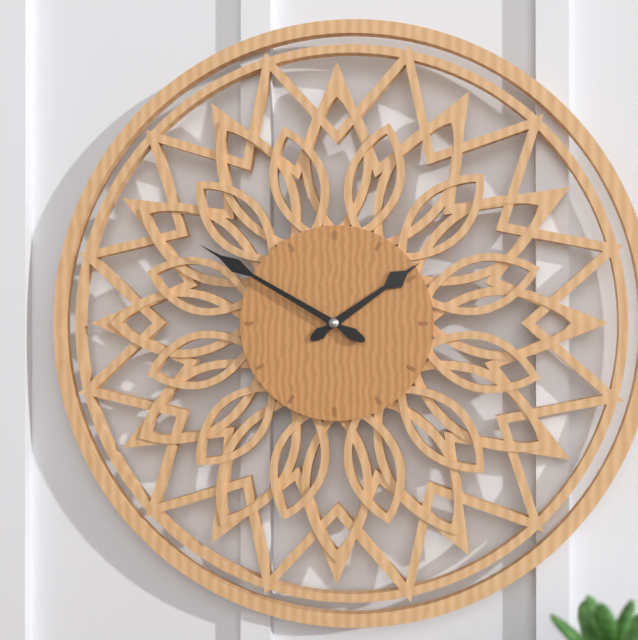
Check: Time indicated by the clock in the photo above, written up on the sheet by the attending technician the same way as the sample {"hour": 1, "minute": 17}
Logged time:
{"hour": 1, "minute": 50}
